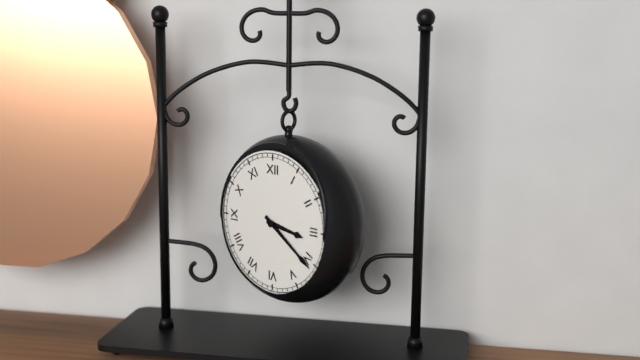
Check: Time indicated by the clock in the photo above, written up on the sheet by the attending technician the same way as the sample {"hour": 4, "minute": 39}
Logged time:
{"hour": 3, "minute": 21}
